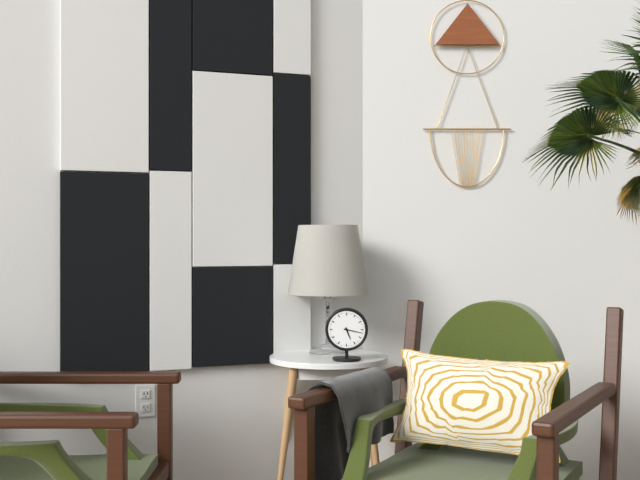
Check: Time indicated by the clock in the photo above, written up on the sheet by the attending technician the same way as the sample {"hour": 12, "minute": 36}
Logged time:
{"hour": 5, "minute": 17}
